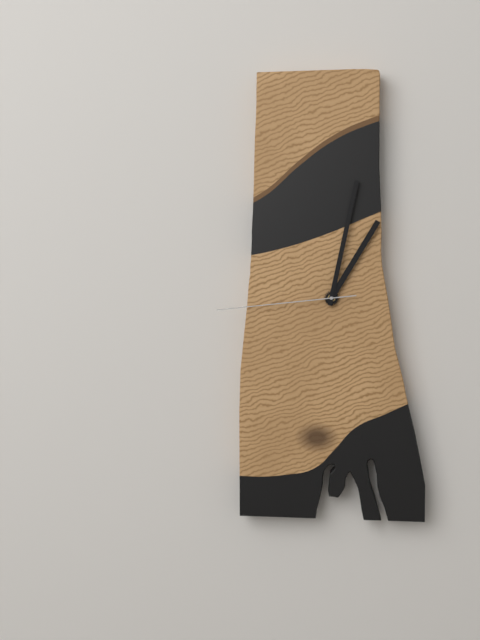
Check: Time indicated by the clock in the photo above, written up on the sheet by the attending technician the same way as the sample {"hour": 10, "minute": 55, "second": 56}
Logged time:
{"hour": 1, "minute": 2, "second": 44}
